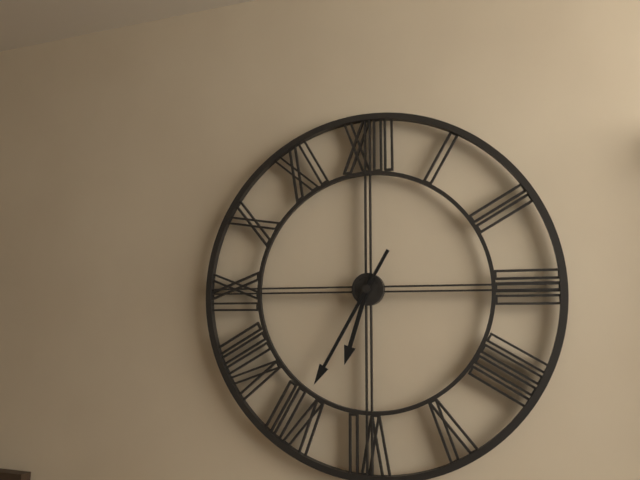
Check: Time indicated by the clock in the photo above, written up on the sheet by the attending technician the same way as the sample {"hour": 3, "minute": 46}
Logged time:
{"hour": 6, "minute": 35}
